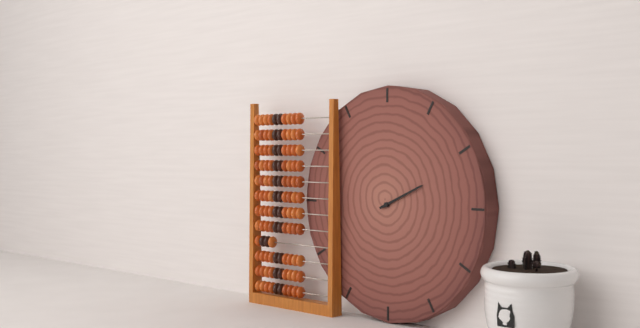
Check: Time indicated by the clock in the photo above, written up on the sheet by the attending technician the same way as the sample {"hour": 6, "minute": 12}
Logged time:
{"hour": 2, "minute": 11}
